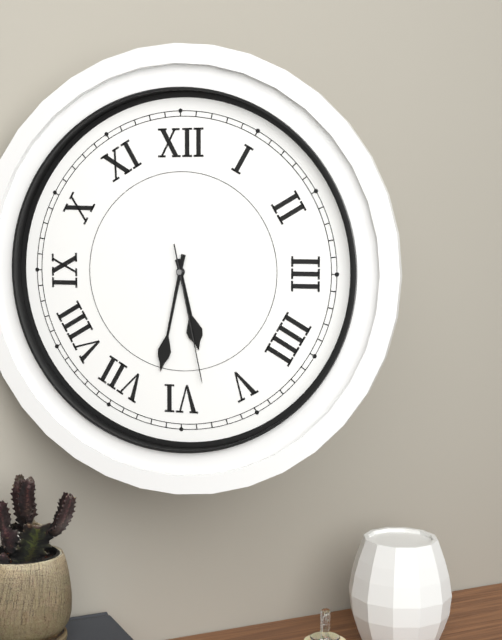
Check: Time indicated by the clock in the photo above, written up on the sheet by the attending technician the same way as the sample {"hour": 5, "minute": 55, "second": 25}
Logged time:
{"hour": 5, "minute": 32, "second": 28}
